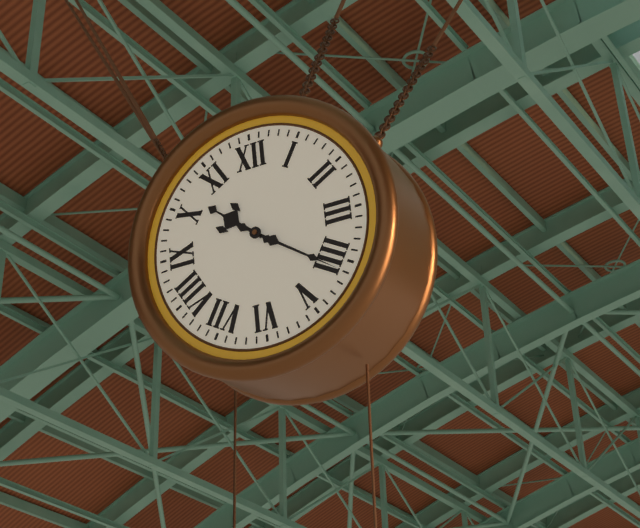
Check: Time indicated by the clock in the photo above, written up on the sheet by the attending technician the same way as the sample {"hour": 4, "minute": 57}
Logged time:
{"hour": 10, "minute": 21}
